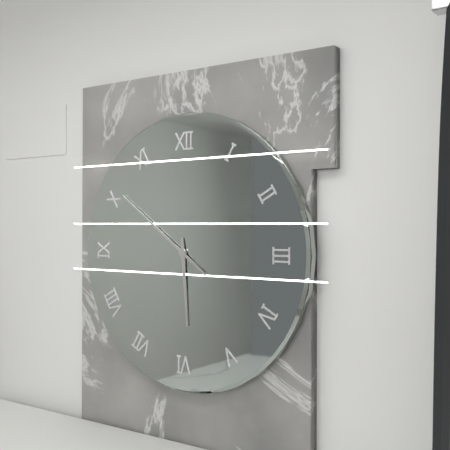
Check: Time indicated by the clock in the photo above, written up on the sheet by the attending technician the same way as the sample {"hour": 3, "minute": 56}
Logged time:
{"hour": 5, "minute": 51}
